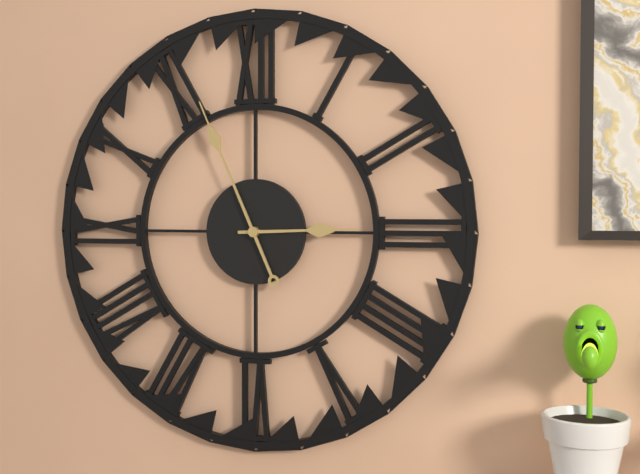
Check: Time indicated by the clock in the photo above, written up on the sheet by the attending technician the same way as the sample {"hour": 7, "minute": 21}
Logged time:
{"hour": 2, "minute": 56}
